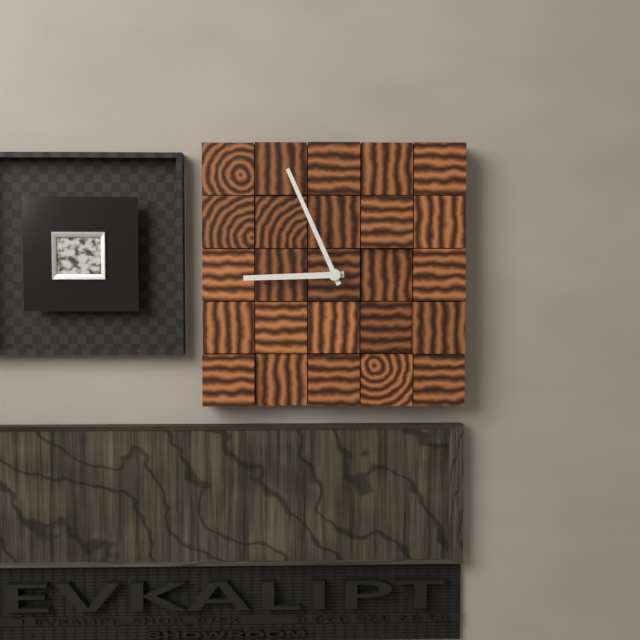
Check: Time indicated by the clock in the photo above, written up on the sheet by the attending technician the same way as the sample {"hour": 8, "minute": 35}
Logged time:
{"hour": 8, "minute": 56}
